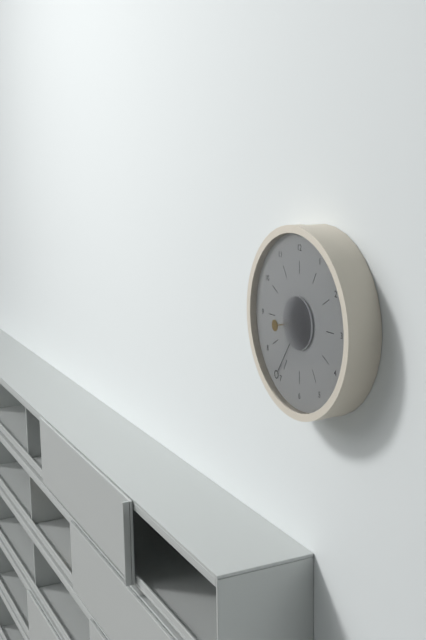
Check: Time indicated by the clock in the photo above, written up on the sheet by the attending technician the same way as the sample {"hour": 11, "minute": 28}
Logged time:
{"hour": 8, "minute": 36}
